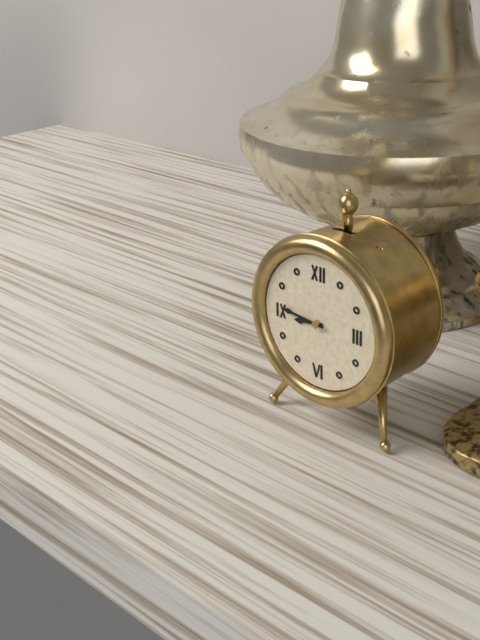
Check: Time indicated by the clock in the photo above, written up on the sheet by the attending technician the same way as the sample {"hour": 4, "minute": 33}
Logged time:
{"hour": 8, "minute": 46}
